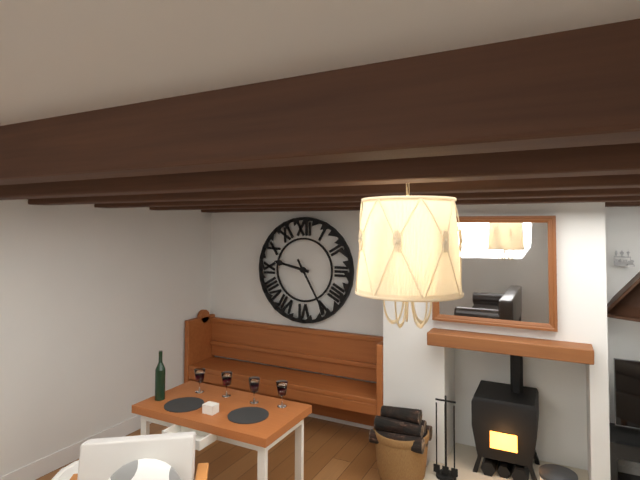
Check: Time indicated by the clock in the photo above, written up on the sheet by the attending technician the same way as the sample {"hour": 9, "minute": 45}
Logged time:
{"hour": 9, "minute": 25}
